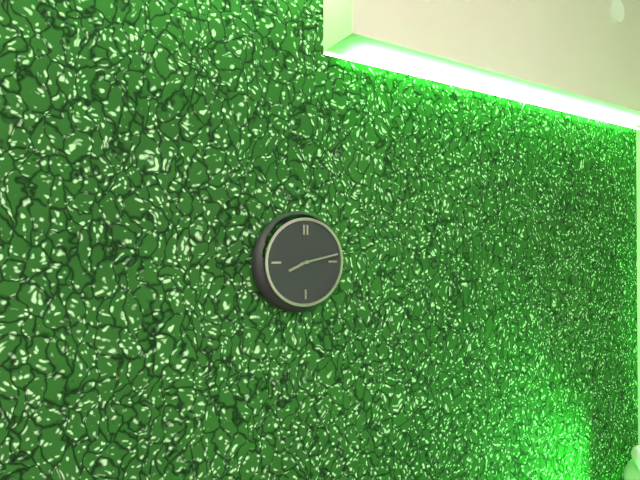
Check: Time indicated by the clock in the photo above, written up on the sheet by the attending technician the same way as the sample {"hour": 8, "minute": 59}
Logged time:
{"hour": 8, "minute": 13}
